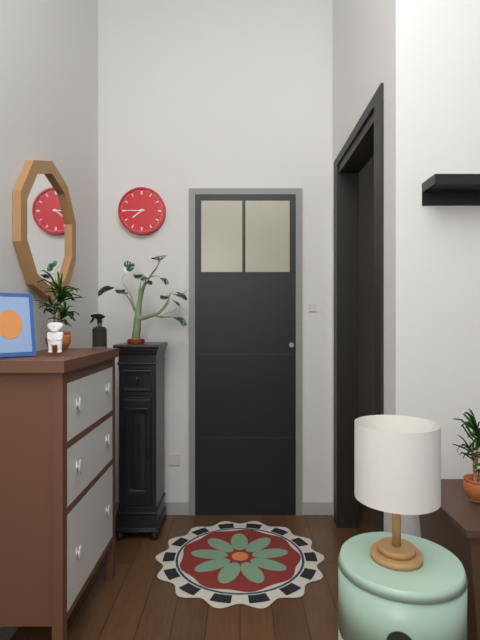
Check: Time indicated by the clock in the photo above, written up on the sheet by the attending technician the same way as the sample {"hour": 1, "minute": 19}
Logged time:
{"hour": 7, "minute": 45}
